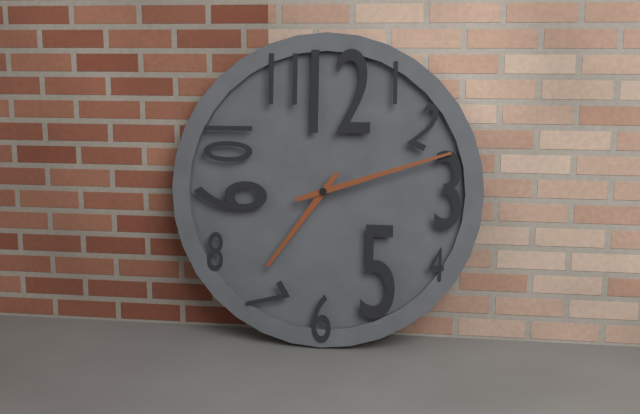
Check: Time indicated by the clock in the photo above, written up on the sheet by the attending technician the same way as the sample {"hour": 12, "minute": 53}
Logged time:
{"hour": 7, "minute": 12}
